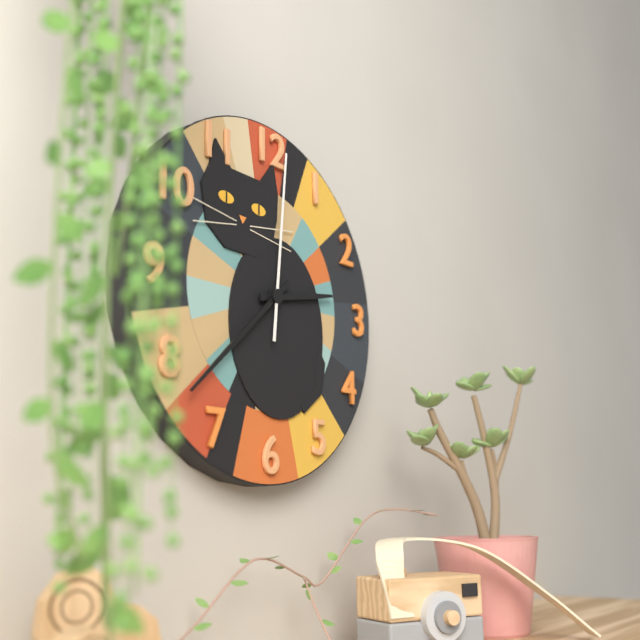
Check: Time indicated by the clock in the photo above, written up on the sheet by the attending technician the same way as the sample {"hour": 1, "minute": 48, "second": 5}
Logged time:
{"hour": 2, "minute": 38, "second": 1}
